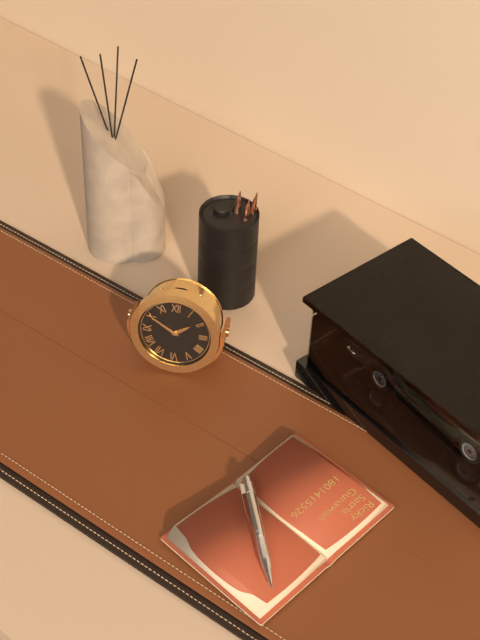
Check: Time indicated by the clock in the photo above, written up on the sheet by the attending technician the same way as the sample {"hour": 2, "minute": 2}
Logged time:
{"hour": 1, "minute": 50}
